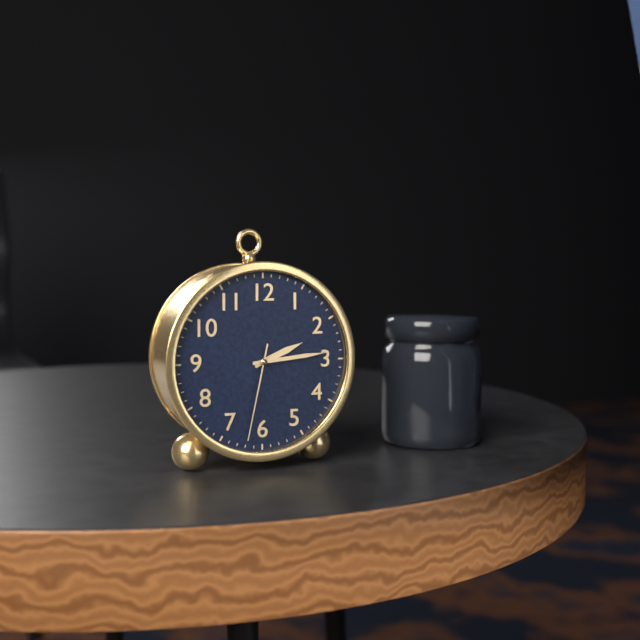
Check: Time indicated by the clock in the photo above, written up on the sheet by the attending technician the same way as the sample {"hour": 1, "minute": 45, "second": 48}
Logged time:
{"hour": 2, "minute": 14, "second": 32}
